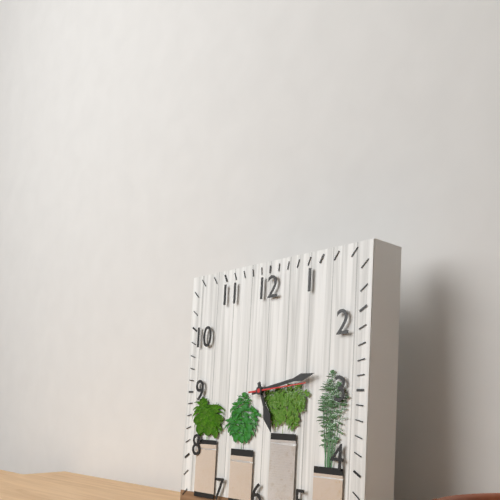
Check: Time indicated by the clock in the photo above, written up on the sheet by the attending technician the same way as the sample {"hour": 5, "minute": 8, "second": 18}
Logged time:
{"hour": 5, "minute": 13, "second": 14}
